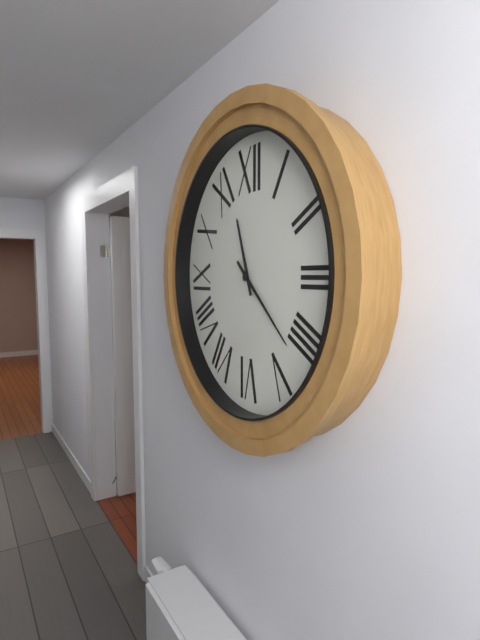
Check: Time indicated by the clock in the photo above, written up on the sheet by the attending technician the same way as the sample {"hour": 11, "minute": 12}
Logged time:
{"hour": 11, "minute": 22}
